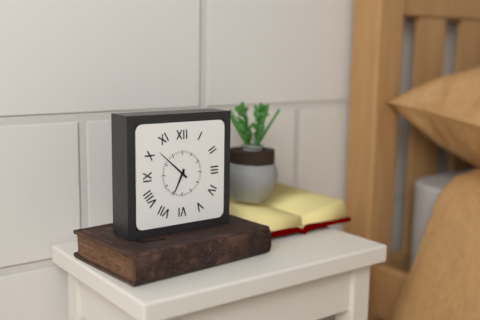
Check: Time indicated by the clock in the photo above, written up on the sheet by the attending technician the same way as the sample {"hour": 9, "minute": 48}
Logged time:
{"hour": 6, "minute": 52}
